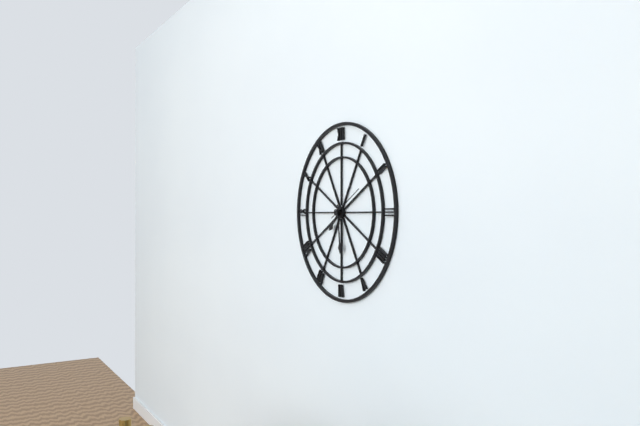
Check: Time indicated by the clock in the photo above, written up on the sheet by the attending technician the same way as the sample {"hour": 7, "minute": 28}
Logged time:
{"hour": 7, "minute": 29}
